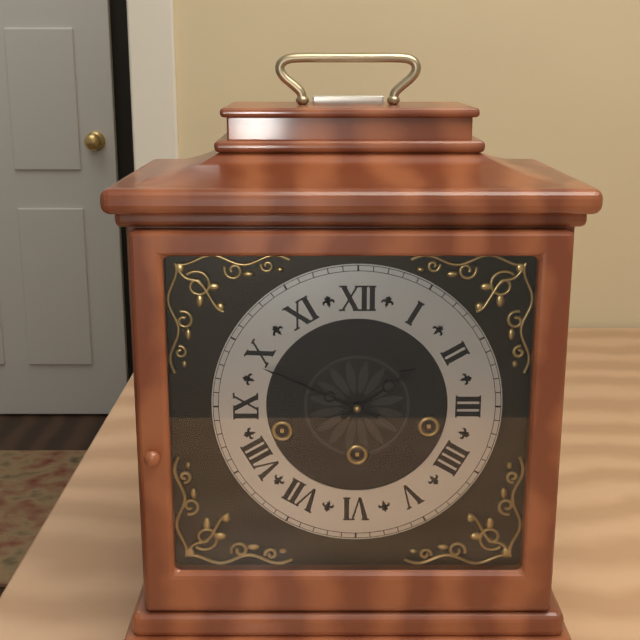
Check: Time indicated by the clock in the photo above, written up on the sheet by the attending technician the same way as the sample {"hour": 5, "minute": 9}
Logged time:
{"hour": 1, "minute": 49}
